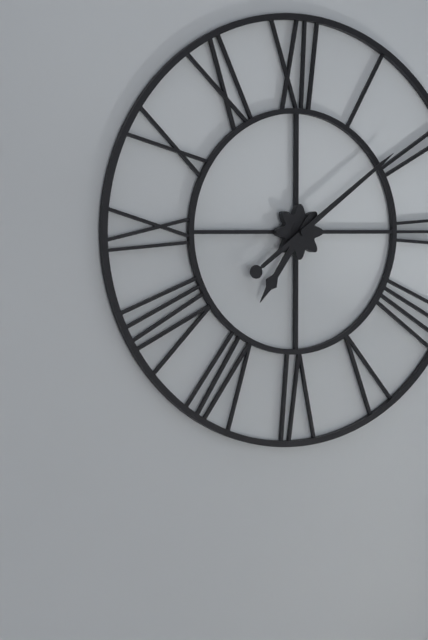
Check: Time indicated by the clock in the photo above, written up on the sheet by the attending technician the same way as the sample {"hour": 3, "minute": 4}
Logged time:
{"hour": 7, "minute": 9}
